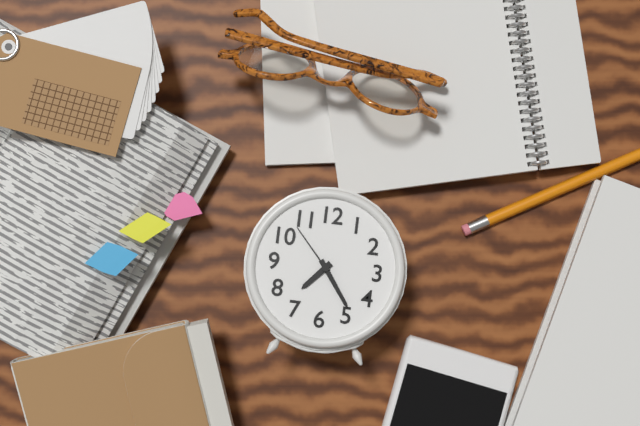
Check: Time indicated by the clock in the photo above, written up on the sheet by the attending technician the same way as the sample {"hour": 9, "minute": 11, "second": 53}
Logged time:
{"hour": 7, "minute": 24, "second": 53}
